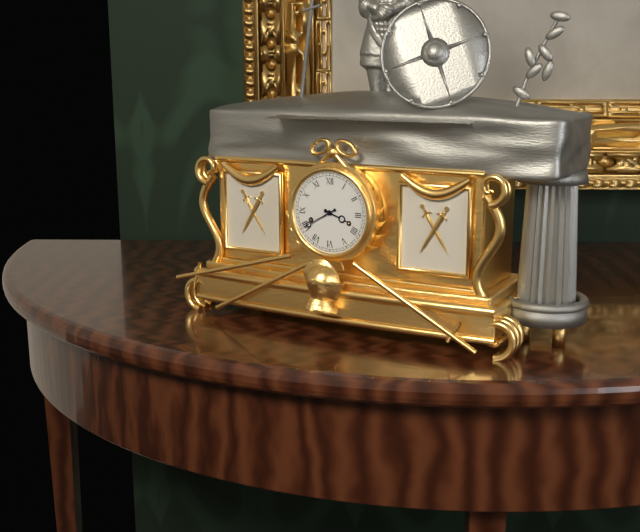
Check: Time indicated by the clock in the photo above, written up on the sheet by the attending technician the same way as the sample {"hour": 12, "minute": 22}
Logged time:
{"hour": 3, "minute": 40}
